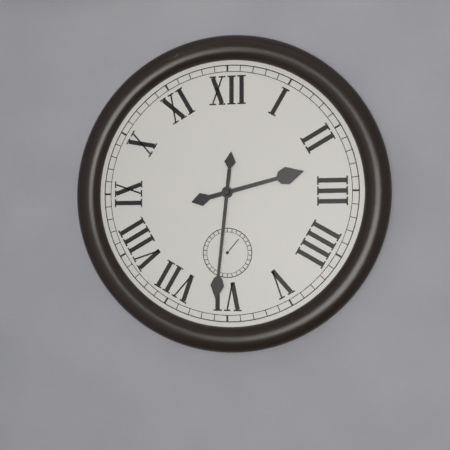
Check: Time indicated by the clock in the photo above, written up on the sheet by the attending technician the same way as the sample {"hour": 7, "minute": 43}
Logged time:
{"hour": 2, "minute": 31}
